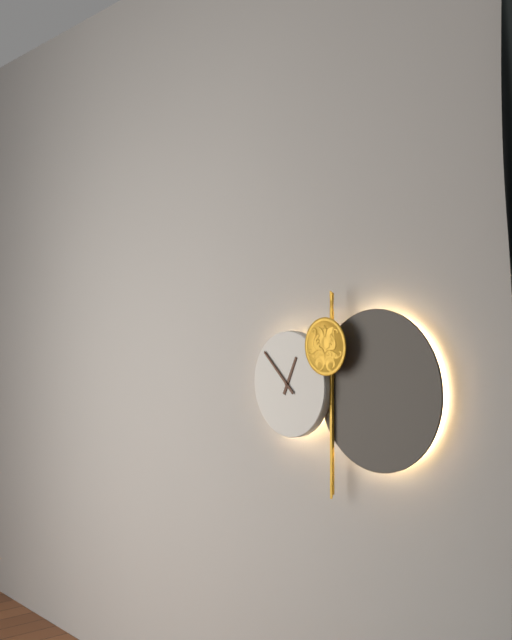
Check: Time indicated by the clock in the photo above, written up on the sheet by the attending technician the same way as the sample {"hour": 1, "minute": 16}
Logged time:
{"hour": 12, "minute": 52}
